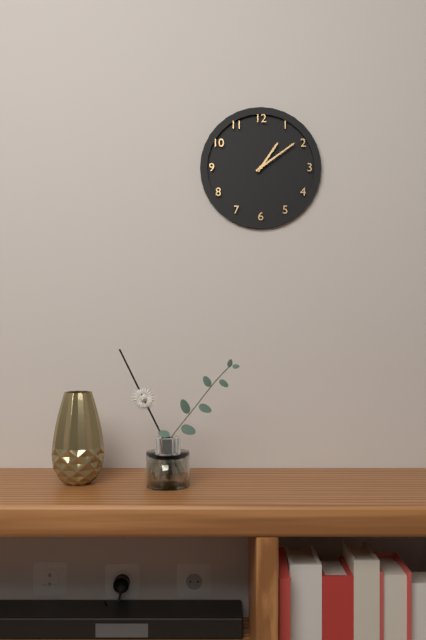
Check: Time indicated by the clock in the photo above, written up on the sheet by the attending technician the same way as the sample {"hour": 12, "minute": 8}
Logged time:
{"hour": 1, "minute": 9}
